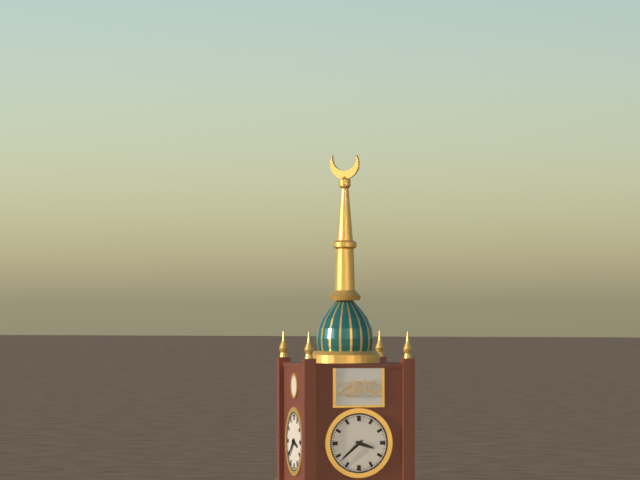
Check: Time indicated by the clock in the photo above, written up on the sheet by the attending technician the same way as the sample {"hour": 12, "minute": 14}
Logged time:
{"hour": 3, "minute": 38}
